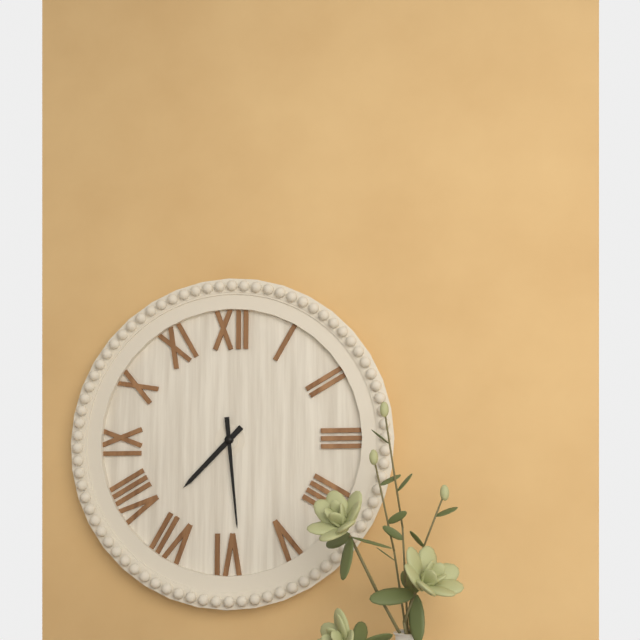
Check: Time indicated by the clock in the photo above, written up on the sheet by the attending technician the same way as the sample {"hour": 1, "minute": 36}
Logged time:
{"hour": 7, "minute": 29}
